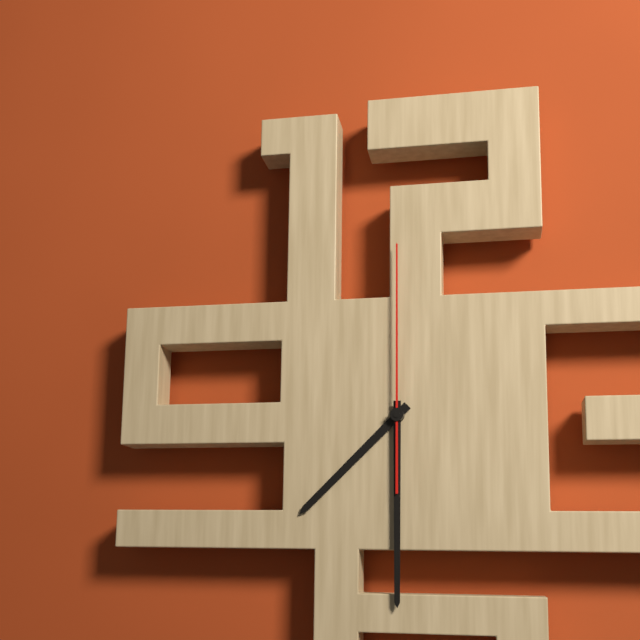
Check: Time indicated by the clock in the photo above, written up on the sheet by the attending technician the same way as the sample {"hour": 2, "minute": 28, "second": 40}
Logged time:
{"hour": 7, "minute": 30, "second": 0}
